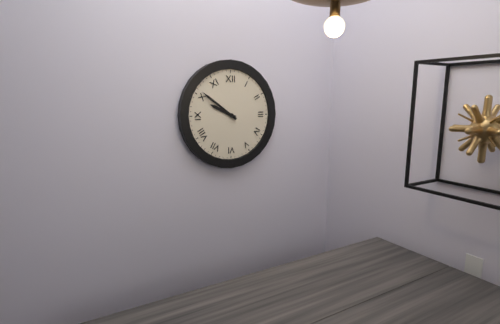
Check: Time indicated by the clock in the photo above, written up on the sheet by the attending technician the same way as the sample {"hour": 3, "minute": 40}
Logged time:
{"hour": 9, "minute": 51}
